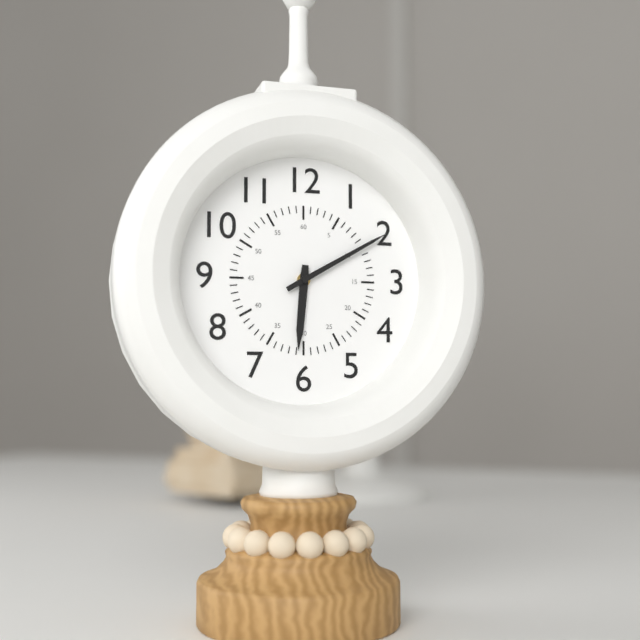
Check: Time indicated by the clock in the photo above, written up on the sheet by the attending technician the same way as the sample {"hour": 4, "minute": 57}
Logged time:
{"hour": 6, "minute": 10}
